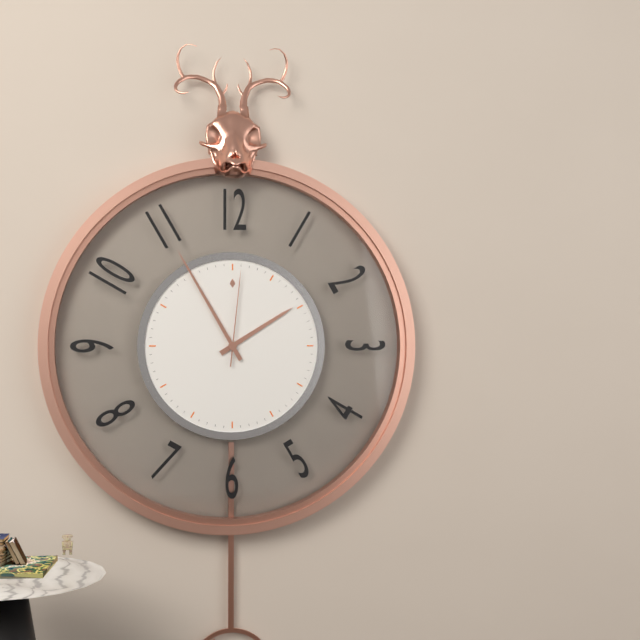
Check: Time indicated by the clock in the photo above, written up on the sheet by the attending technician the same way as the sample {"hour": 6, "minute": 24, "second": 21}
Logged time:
{"hour": 1, "minute": 55, "second": 1}
